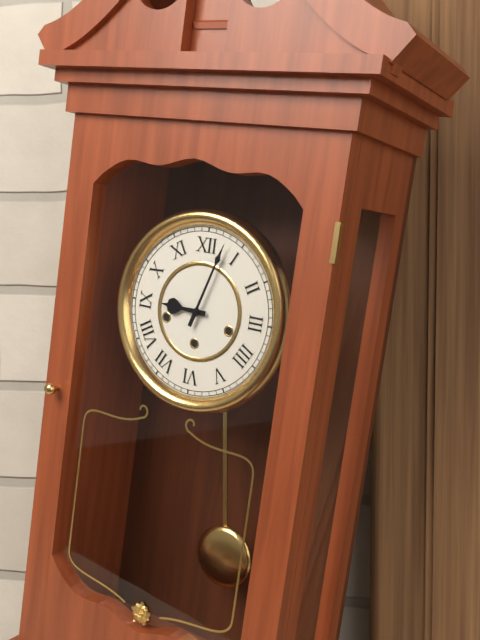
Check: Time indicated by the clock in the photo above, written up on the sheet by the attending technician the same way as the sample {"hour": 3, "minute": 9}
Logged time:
{"hour": 9, "minute": 3}
